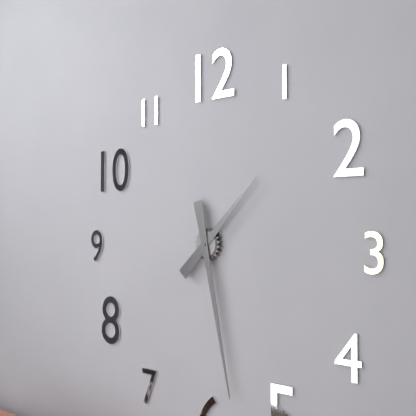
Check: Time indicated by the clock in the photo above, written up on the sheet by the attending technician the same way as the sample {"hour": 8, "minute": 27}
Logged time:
{"hour": 1, "minute": 28}
